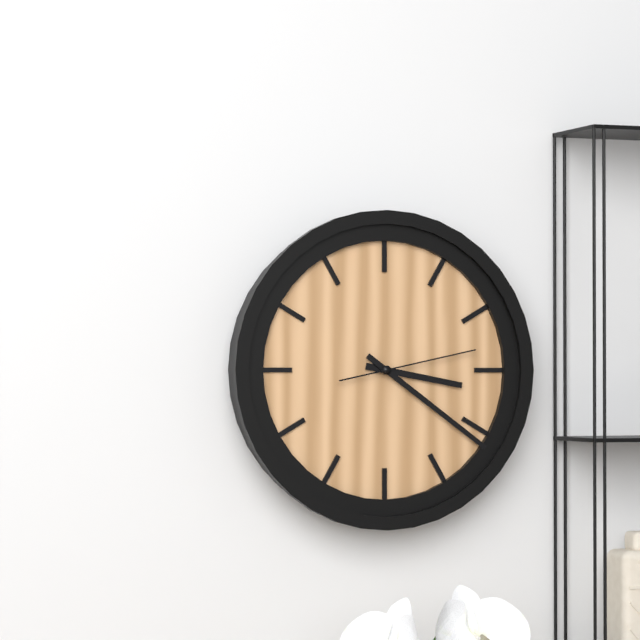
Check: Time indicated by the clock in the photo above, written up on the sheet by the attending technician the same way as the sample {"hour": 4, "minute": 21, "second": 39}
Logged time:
{"hour": 3, "minute": 21, "second": 13}
